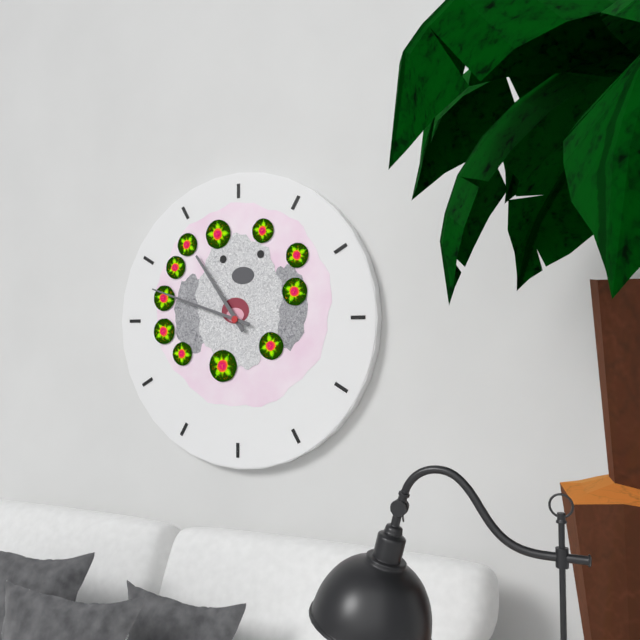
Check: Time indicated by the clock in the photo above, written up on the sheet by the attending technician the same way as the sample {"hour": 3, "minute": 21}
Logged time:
{"hour": 10, "minute": 48}
